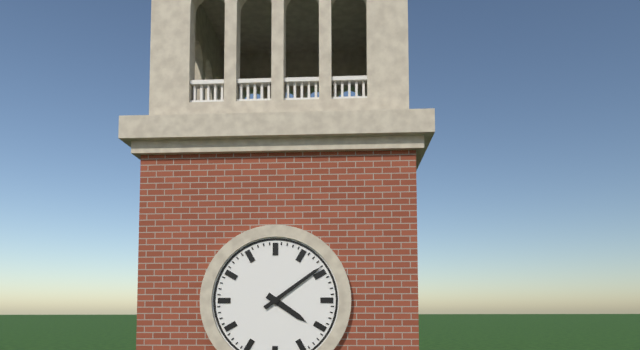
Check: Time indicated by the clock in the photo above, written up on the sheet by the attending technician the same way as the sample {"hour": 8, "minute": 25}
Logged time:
{"hour": 4, "minute": 9}
